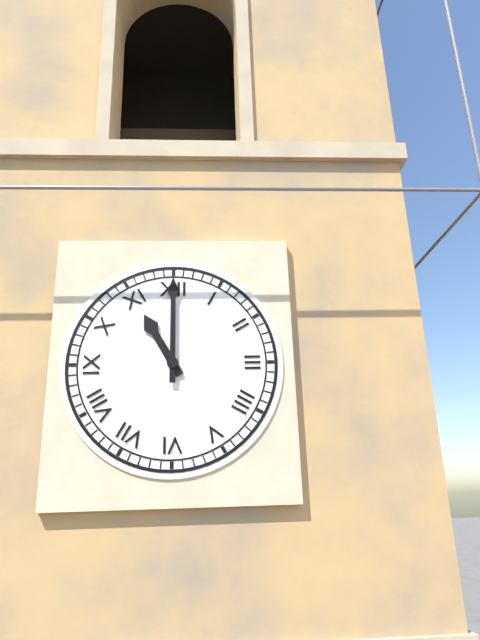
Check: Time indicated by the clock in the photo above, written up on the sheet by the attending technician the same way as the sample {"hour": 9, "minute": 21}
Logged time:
{"hour": 11, "minute": 0}
